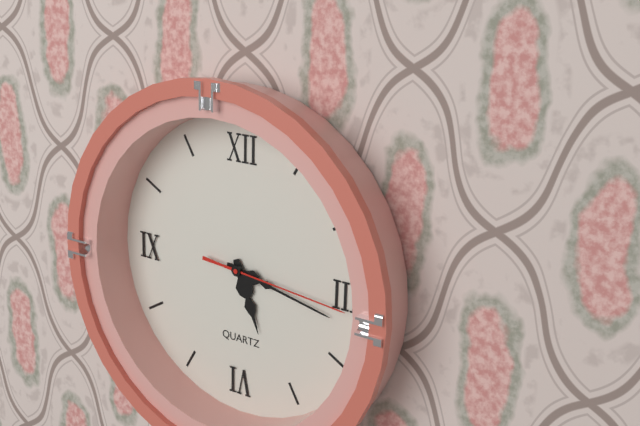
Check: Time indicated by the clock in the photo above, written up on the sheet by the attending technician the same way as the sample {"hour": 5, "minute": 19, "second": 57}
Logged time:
{"hour": 5, "minute": 17, "second": 16}
